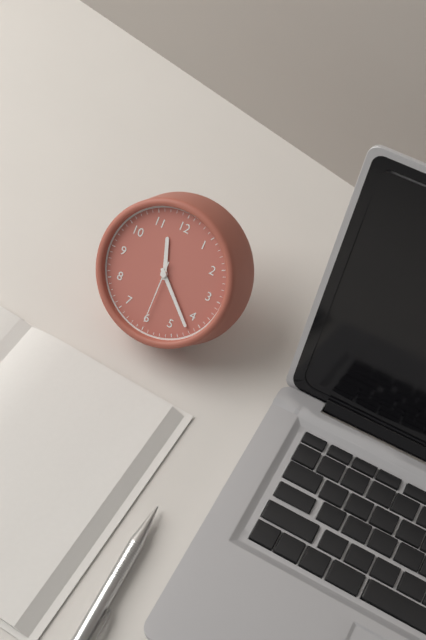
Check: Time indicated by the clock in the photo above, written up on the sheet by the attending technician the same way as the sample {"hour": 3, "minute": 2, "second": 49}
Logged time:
{"hour": 11, "minute": 22, "second": 30}
